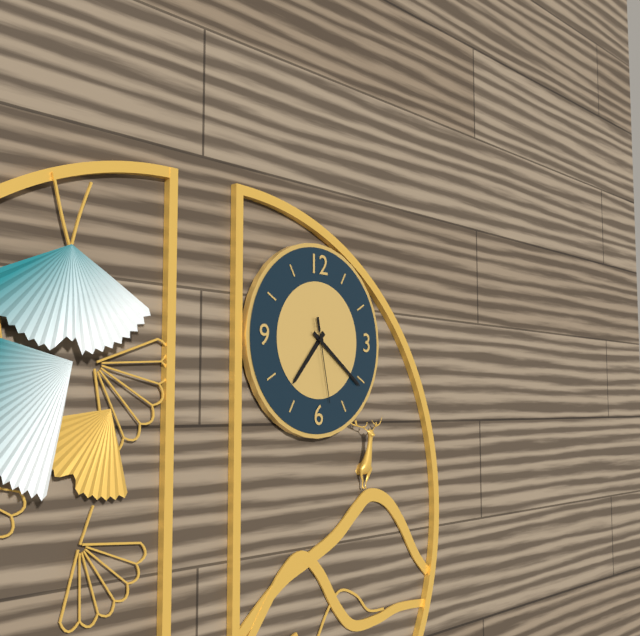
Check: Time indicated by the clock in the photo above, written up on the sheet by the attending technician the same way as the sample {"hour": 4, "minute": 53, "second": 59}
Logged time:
{"hour": 7, "minute": 21, "second": 28}
